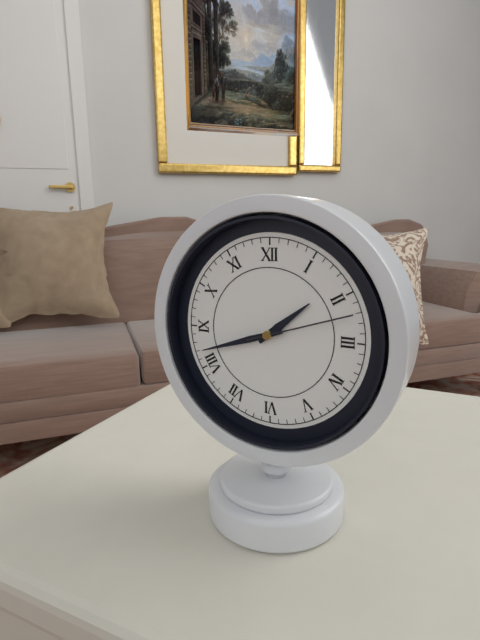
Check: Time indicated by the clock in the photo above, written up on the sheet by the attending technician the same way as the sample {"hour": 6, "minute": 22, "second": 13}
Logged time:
{"hour": 1, "minute": 42, "second": 12}
